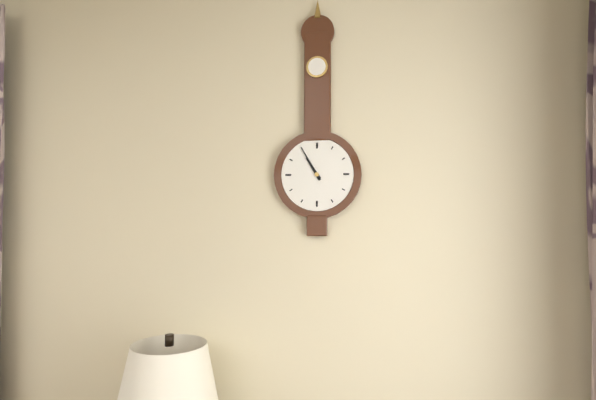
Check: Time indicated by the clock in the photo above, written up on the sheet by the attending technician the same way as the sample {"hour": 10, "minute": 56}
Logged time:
{"hour": 10, "minute": 55}
